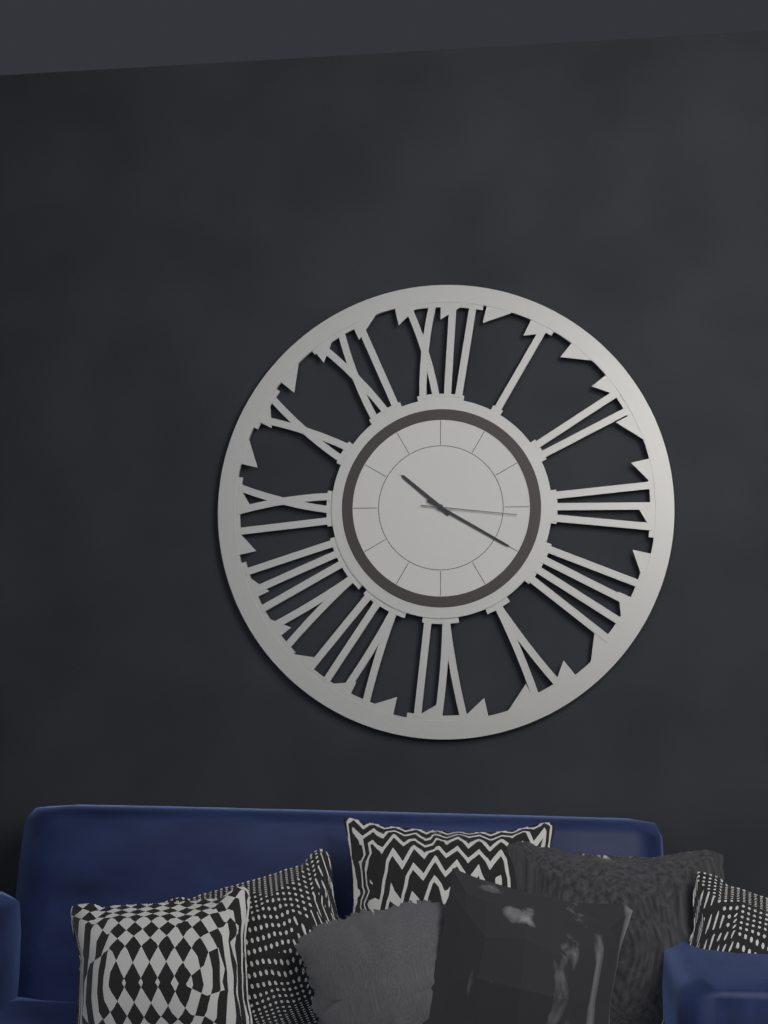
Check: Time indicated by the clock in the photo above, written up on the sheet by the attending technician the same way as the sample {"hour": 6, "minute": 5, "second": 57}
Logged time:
{"hour": 10, "minute": 20, "second": 16}
